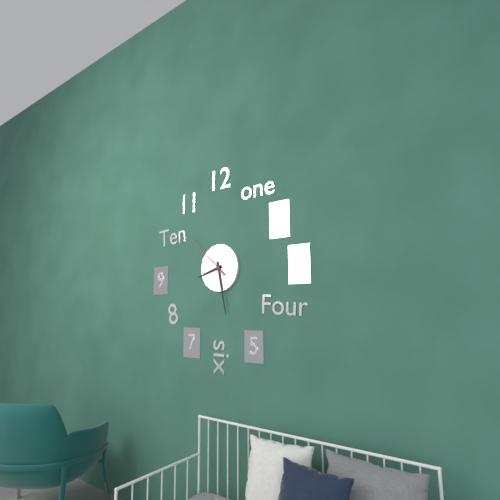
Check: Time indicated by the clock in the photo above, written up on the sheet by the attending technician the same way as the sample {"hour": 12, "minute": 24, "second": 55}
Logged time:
{"hour": 8, "minute": 28, "second": 52}
